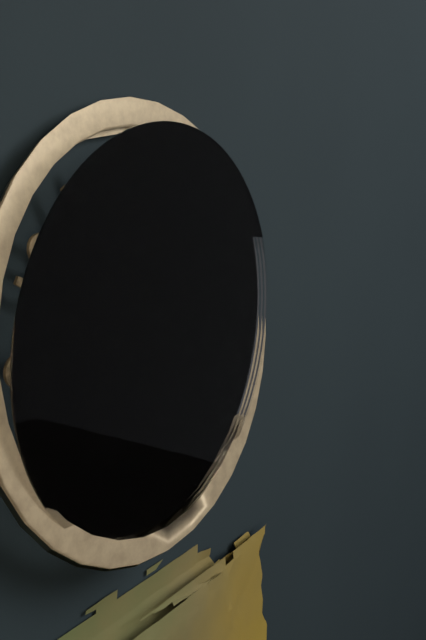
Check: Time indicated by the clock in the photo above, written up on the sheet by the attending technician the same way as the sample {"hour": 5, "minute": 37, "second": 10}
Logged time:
{"hour": 1, "minute": 15, "second": 40}
